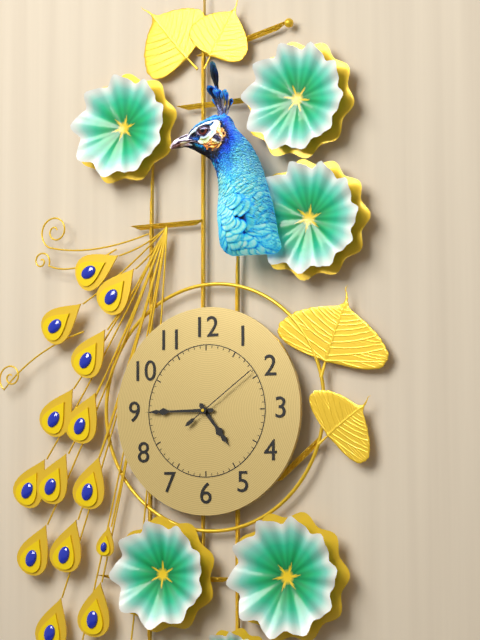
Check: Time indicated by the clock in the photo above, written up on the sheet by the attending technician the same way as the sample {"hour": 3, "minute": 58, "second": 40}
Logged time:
{"hour": 4, "minute": 45, "second": 9}
